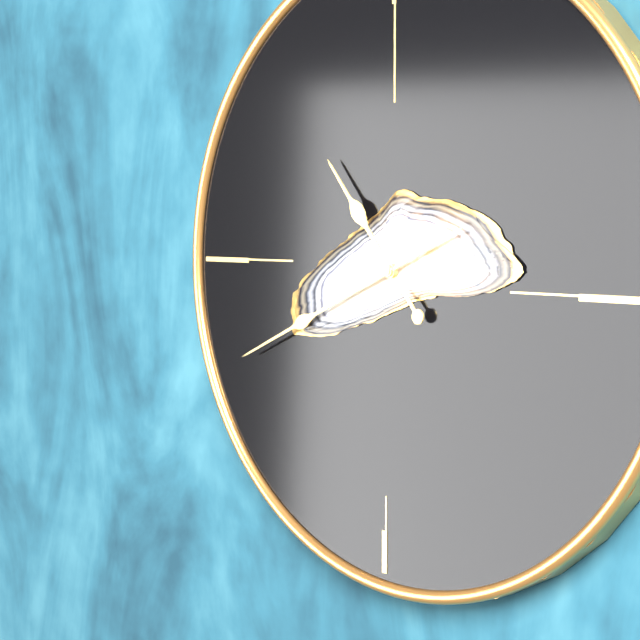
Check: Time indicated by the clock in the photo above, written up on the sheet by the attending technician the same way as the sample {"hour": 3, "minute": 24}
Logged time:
{"hour": 10, "minute": 41}
